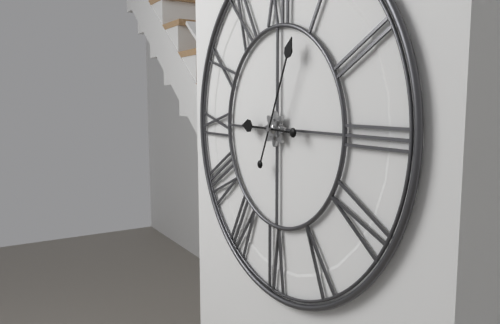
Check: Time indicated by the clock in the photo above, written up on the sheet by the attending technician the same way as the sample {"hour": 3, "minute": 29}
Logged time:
{"hour": 9, "minute": 4}
